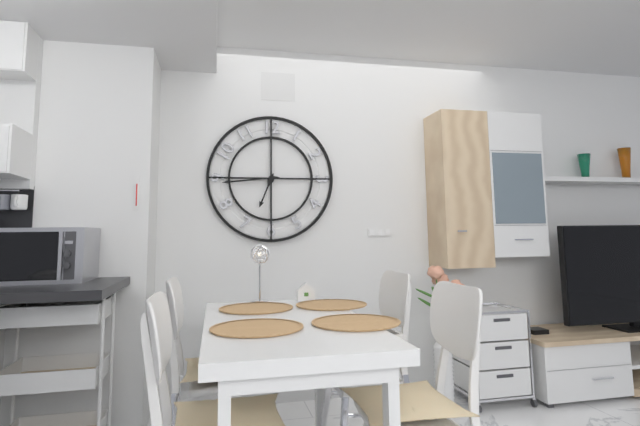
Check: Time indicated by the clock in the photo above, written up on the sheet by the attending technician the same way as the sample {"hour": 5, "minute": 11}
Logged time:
{"hour": 6, "minute": 44}
